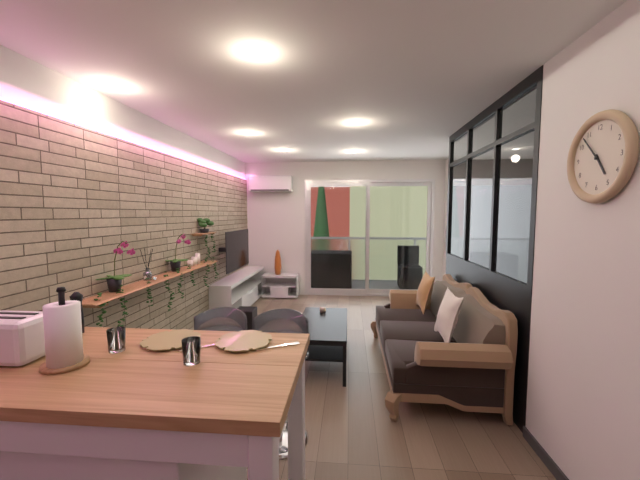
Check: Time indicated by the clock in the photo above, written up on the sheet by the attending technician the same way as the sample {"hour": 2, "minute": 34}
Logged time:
{"hour": 4, "minute": 53}
